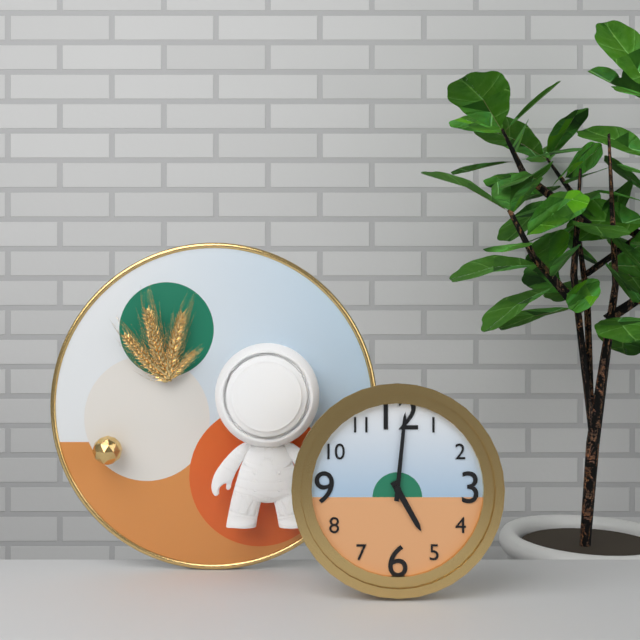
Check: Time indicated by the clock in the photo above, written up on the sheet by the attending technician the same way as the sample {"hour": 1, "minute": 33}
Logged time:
{"hour": 5, "minute": 1}
